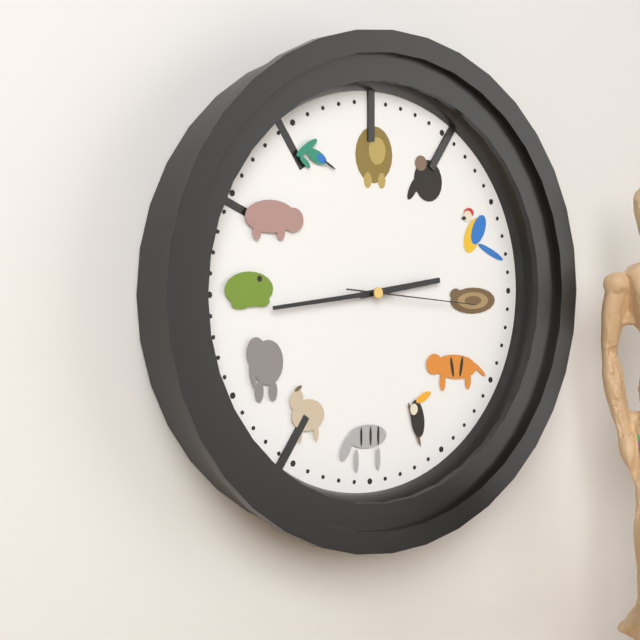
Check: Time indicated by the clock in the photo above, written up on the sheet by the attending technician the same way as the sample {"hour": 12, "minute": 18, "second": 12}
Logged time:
{"hour": 2, "minute": 44, "second": 16}
